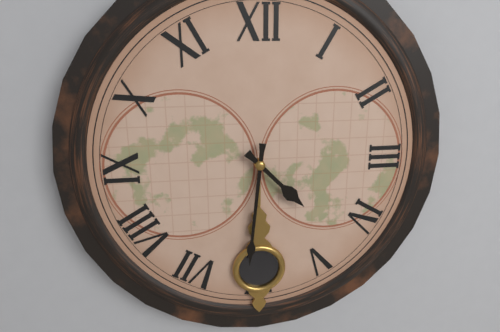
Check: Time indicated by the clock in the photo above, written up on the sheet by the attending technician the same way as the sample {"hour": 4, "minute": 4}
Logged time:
{"hour": 4, "minute": 31}
